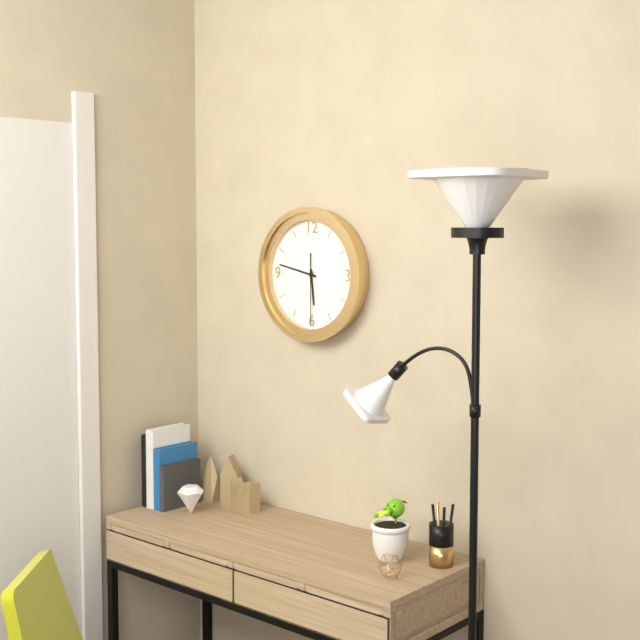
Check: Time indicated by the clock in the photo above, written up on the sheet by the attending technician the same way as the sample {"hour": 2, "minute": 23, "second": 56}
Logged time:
{"hour": 5, "minute": 47, "second": 30}
